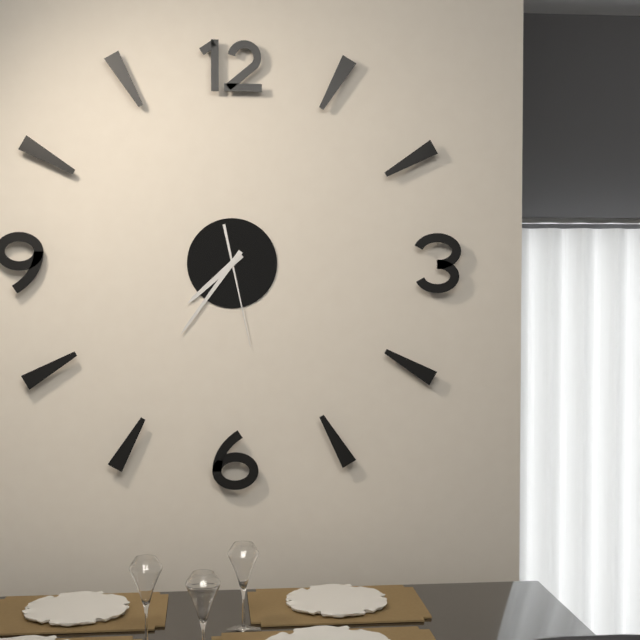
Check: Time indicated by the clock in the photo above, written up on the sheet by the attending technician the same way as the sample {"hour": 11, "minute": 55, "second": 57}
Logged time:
{"hour": 7, "minute": 36, "second": 28}
